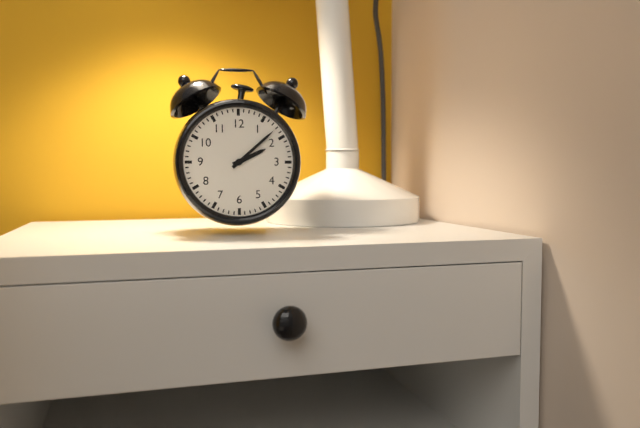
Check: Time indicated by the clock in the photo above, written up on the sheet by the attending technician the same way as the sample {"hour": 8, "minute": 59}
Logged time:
{"hour": 2, "minute": 8}
